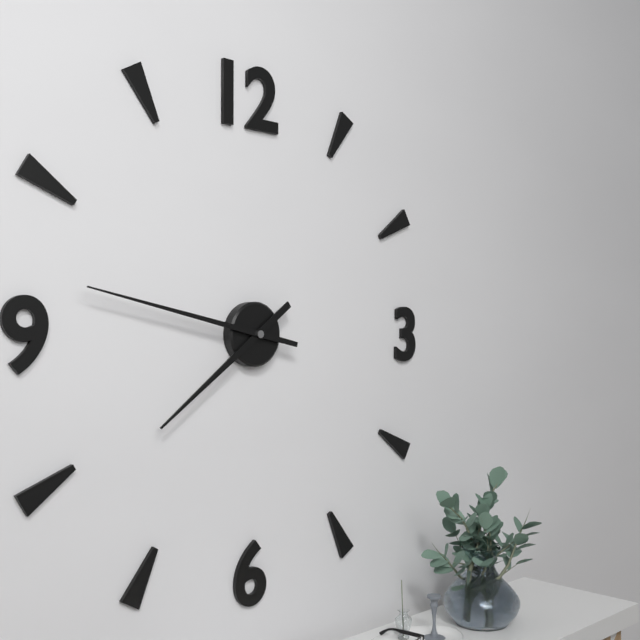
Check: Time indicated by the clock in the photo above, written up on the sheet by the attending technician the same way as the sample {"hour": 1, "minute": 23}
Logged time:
{"hour": 7, "minute": 47}
